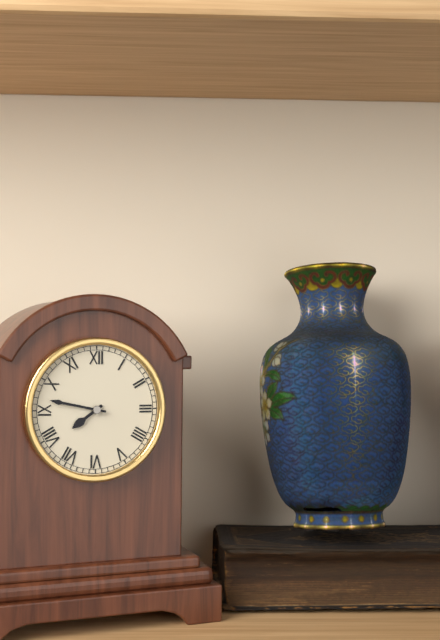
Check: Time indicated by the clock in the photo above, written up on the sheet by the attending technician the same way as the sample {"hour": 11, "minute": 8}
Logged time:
{"hour": 7, "minute": 47}
